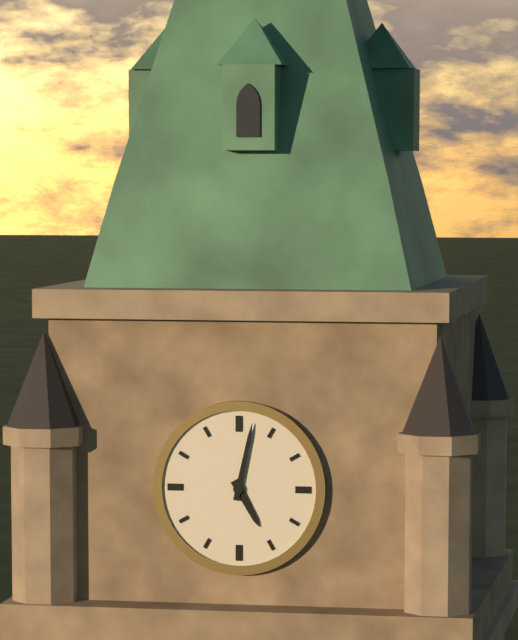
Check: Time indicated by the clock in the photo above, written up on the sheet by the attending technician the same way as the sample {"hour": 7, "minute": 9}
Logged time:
{"hour": 5, "minute": 2}
